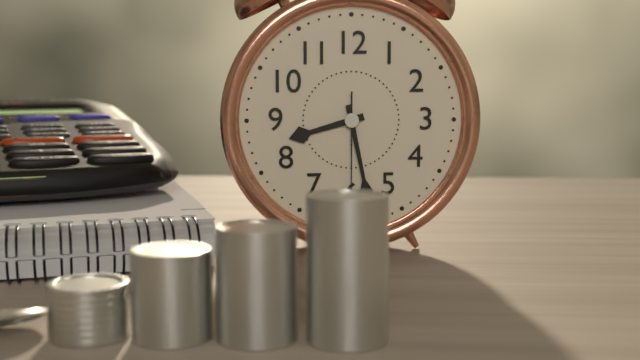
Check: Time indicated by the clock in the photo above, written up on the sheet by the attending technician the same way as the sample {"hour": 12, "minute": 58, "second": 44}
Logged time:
{"hour": 8, "minute": 28, "second": 30}
